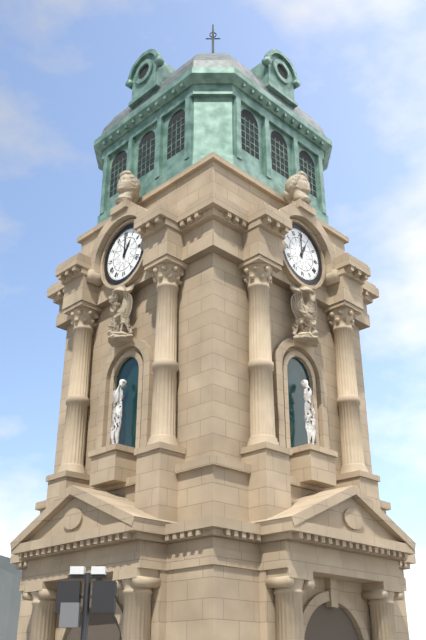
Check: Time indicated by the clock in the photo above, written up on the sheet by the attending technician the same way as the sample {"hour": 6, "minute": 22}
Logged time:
{"hour": 1, "minute": 0}
